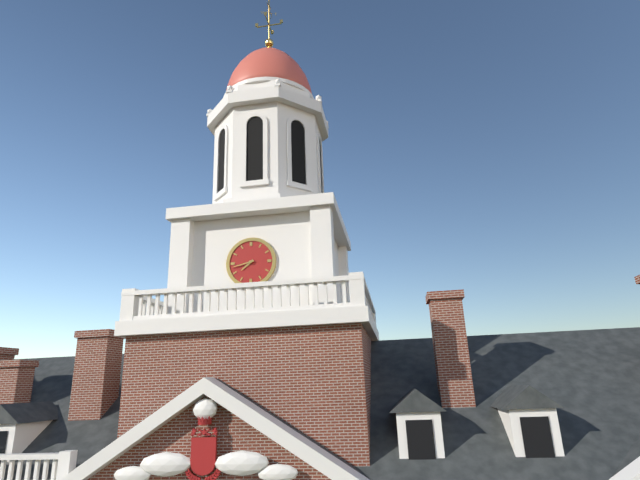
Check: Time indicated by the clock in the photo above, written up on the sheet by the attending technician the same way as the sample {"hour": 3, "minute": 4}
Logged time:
{"hour": 7, "minute": 43}
